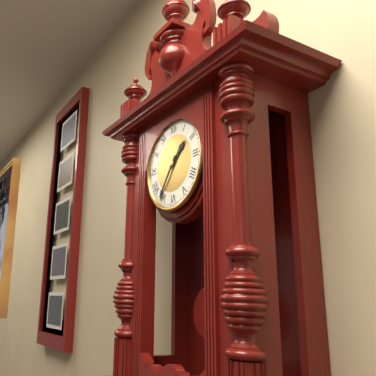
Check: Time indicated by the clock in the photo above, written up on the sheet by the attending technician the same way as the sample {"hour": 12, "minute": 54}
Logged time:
{"hour": 1, "minute": 36}
